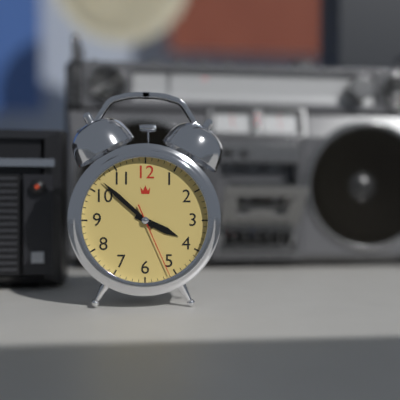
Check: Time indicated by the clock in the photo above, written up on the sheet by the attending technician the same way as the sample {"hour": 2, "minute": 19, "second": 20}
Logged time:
{"hour": 3, "minute": 52, "second": 26}
